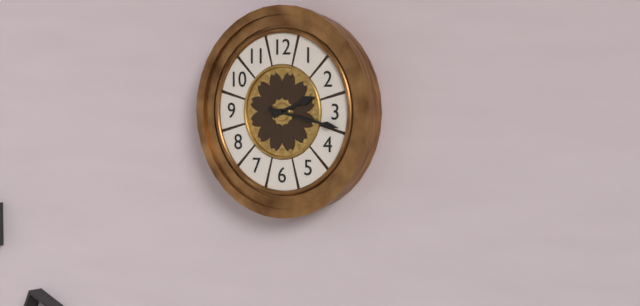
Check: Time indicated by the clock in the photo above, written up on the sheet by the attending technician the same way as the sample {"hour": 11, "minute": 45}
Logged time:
{"hour": 2, "minute": 17}
